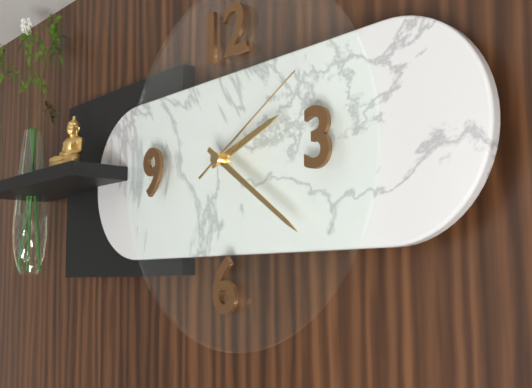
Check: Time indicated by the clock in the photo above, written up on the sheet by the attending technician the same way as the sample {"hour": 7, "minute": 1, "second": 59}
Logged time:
{"hour": 2, "minute": 21, "second": 10}
